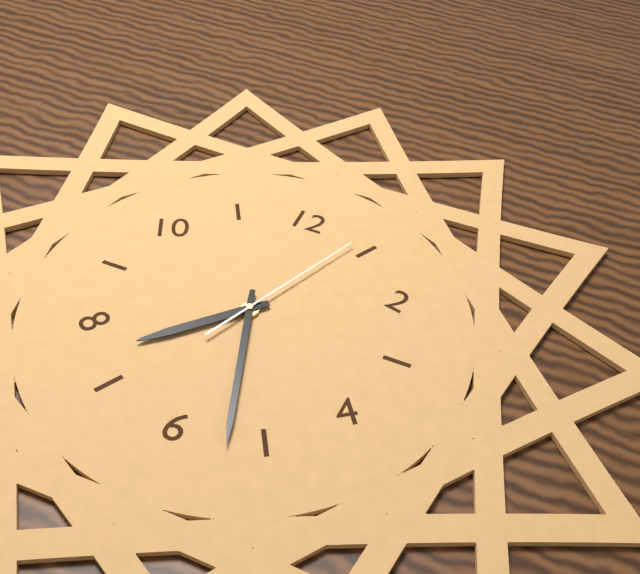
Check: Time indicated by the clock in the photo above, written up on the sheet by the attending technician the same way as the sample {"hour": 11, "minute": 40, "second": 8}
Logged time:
{"hour": 7, "minute": 27, "second": 4}
